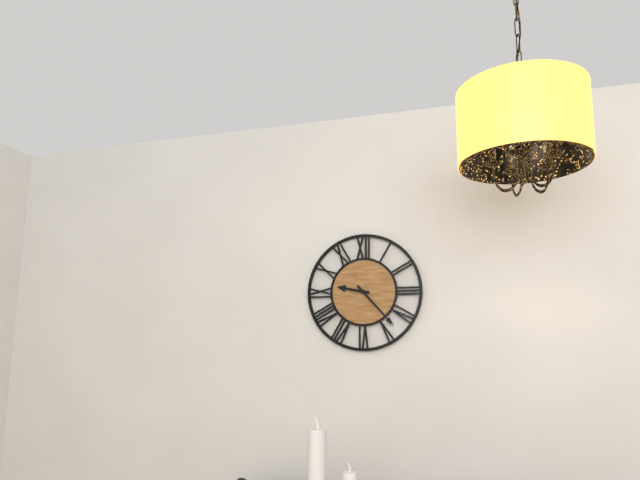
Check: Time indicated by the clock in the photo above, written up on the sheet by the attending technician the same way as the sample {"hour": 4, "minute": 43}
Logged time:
{"hour": 9, "minute": 23}
